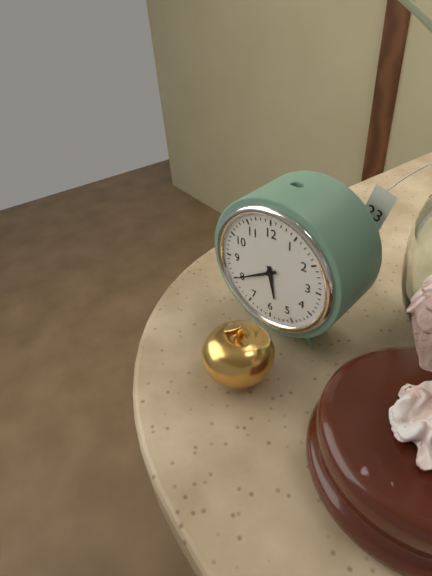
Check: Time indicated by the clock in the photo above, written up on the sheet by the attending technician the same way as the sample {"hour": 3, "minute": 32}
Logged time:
{"hour": 5, "minute": 40}
